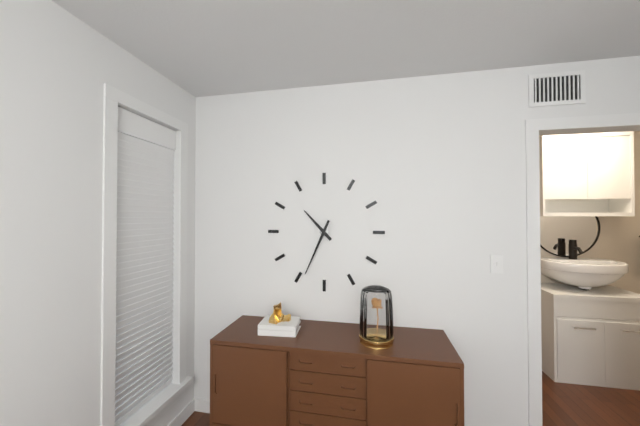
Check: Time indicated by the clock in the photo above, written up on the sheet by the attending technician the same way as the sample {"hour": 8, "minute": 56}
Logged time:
{"hour": 10, "minute": 34}
